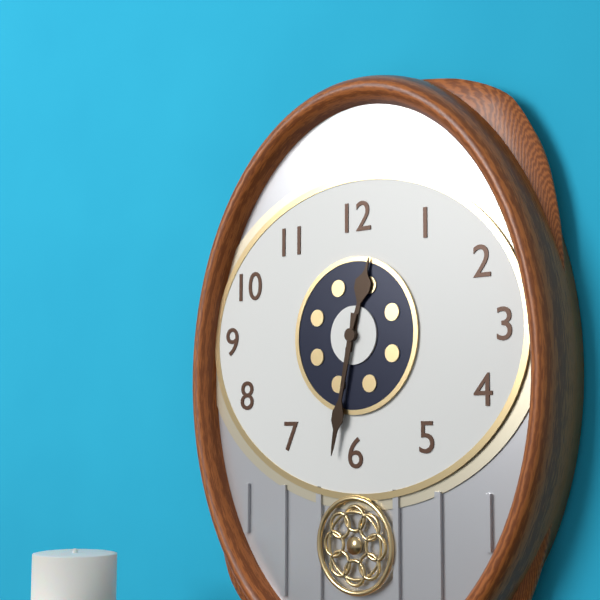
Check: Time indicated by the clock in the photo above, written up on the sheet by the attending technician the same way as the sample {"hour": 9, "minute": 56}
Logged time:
{"hour": 12, "minute": 32}
